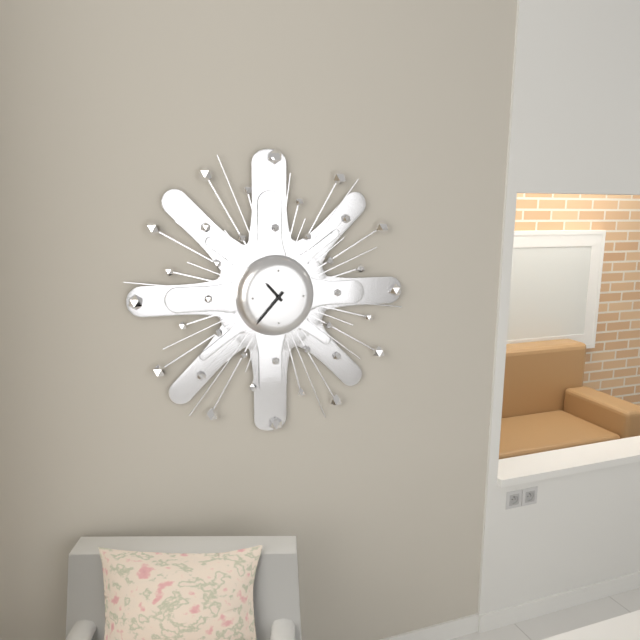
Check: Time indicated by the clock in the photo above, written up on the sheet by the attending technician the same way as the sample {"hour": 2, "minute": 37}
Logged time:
{"hour": 10, "minute": 37}
